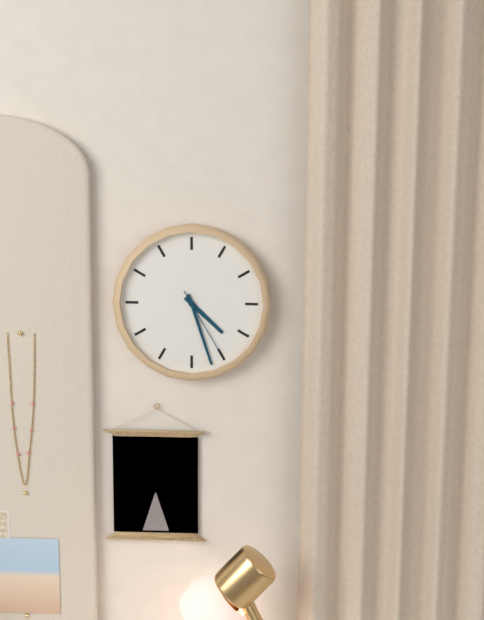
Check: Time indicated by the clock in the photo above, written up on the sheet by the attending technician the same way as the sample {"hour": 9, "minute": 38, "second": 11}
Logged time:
{"hour": 4, "minute": 27, "second": 25}
